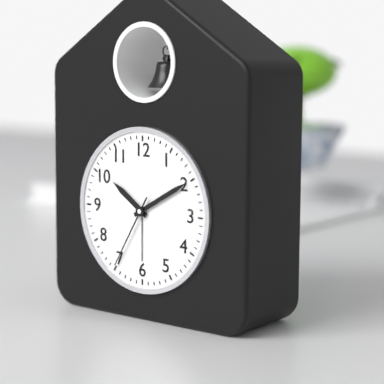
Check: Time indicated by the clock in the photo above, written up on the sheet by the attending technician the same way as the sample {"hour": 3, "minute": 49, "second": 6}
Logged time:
{"hour": 10, "minute": 10, "second": 35}
